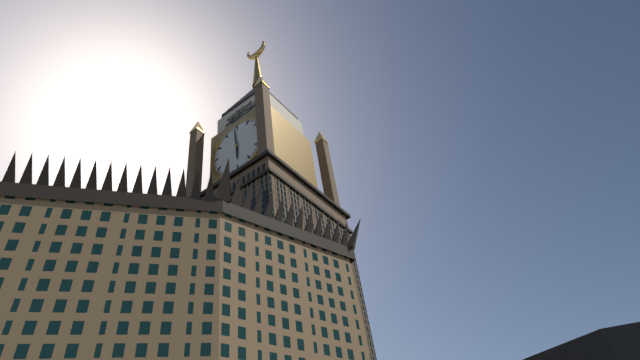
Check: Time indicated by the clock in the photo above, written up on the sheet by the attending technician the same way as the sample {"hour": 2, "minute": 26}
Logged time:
{"hour": 5, "minute": 59}
